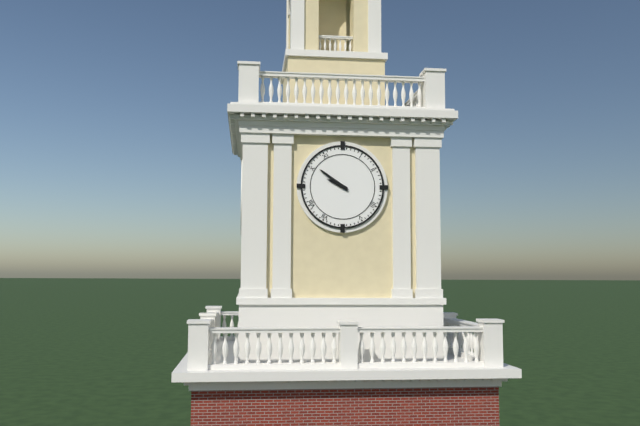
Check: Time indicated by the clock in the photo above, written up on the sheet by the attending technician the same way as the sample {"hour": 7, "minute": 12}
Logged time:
{"hour": 9, "minute": 51}
